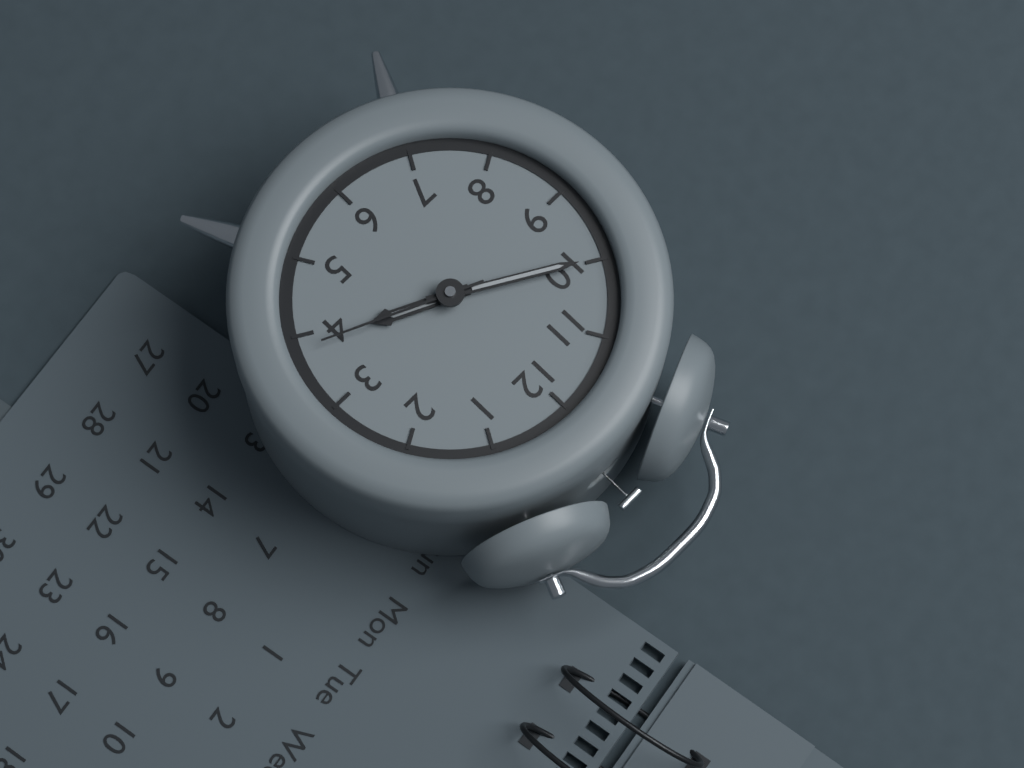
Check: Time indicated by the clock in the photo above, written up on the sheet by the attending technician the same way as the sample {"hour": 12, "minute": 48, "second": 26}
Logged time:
{"hour": 3, "minute": 50, "second": 19}
